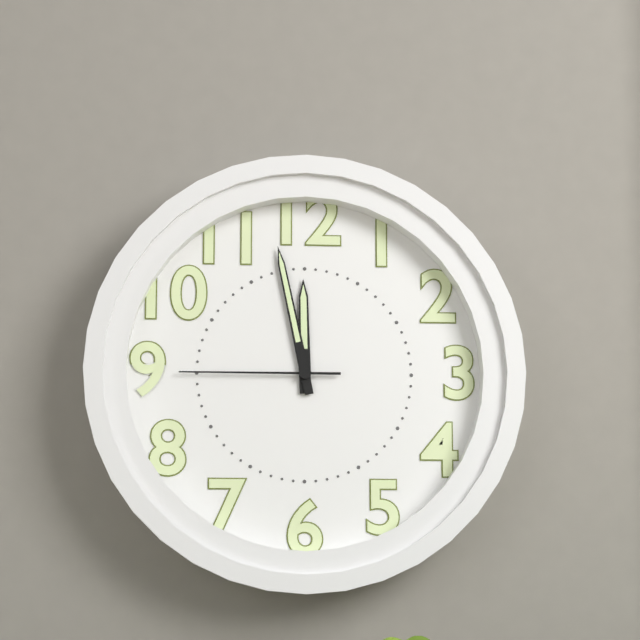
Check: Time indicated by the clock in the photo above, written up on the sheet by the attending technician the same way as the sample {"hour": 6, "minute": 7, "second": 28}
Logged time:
{"hour": 11, "minute": 58, "second": 45}
